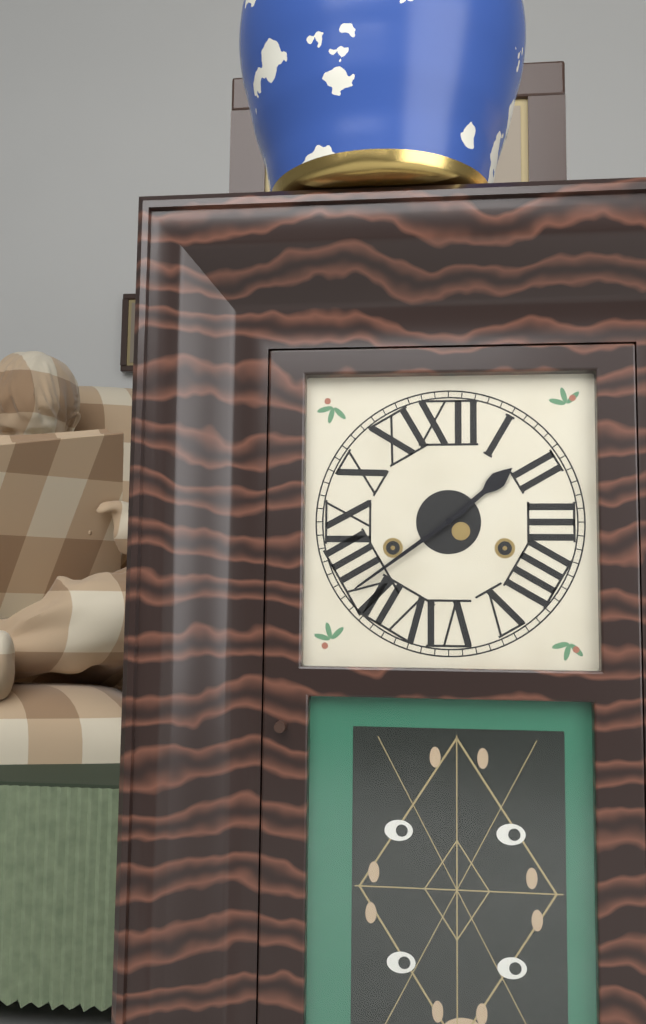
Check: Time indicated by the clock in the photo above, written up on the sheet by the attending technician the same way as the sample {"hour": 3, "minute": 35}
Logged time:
{"hour": 1, "minute": 39}
